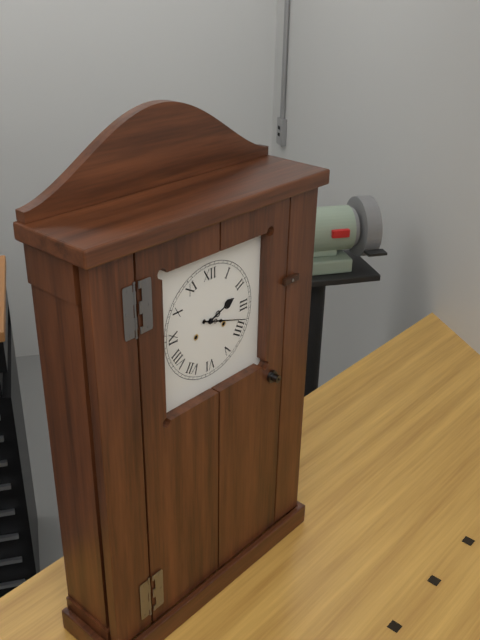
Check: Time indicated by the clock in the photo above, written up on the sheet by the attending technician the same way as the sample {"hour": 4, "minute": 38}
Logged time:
{"hour": 2, "minute": 18}
